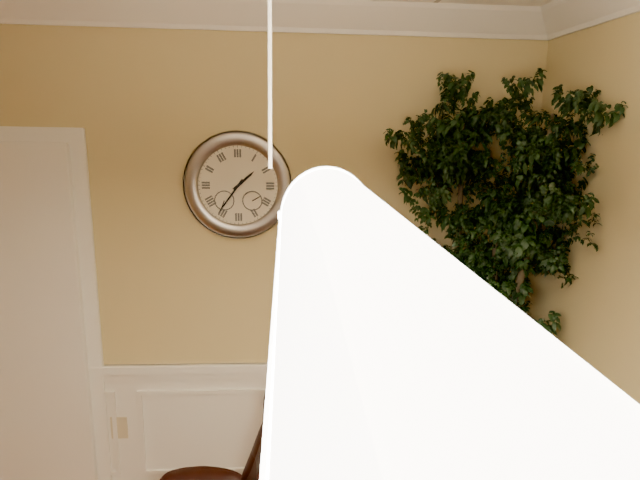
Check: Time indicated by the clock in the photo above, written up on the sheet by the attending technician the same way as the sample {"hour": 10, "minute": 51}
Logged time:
{"hour": 1, "minute": 36}
